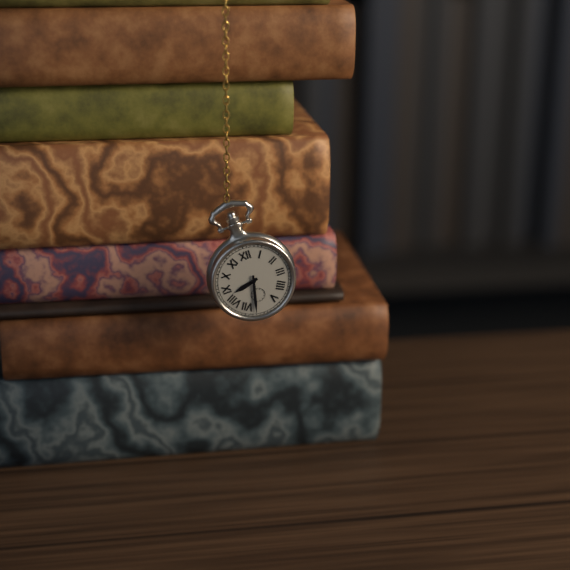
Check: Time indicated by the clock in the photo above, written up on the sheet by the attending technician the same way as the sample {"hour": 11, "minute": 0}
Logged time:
{"hour": 8, "minute": 32}
